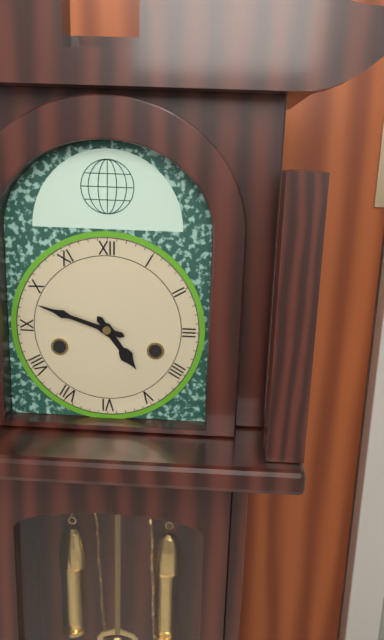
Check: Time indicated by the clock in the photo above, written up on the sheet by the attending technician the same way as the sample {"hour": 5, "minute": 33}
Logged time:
{"hour": 4, "minute": 48}
